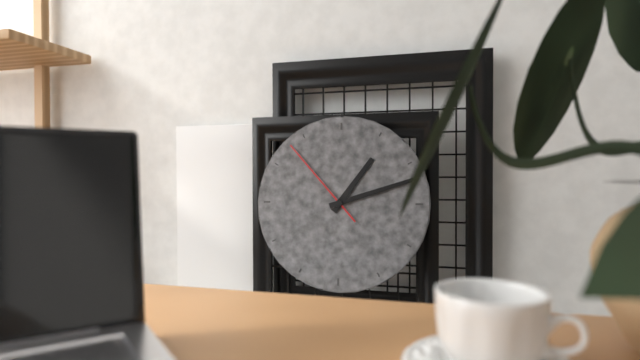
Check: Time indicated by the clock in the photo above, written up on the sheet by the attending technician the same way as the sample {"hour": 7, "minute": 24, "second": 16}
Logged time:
{"hour": 1, "minute": 12, "second": 53}
